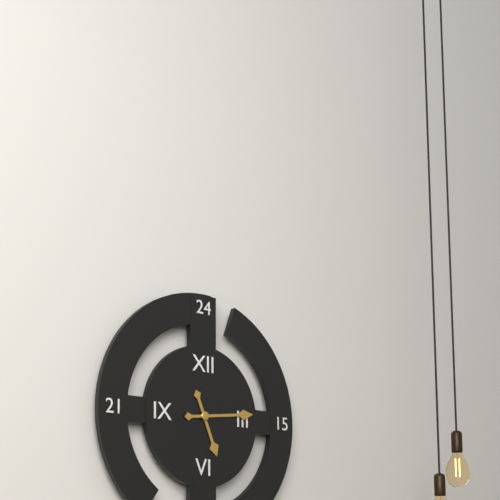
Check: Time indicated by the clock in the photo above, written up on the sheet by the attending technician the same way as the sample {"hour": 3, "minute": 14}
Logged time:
{"hour": 5, "minute": 14}
